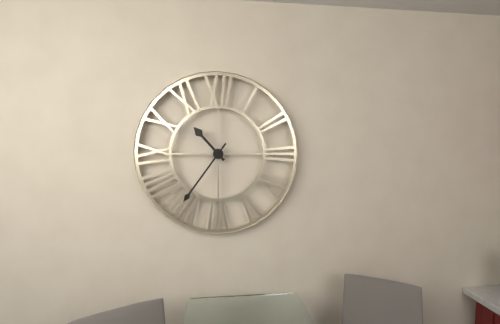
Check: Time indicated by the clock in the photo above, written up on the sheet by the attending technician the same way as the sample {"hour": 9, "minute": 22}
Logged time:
{"hour": 10, "minute": 36}
